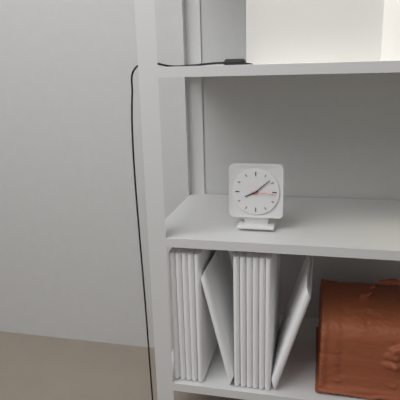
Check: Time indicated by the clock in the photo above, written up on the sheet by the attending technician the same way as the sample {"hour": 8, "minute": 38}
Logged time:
{"hour": 8, "minute": 8}
